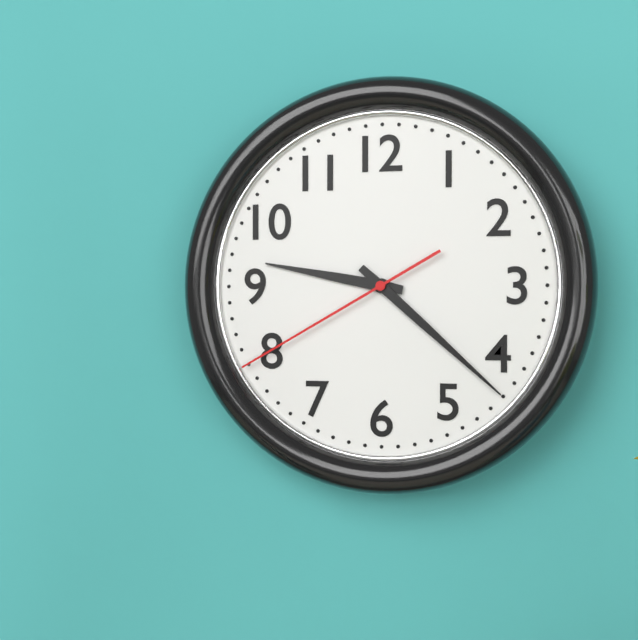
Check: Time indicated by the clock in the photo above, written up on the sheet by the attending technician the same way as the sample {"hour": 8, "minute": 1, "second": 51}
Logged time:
{"hour": 9, "minute": 22, "second": 40}
